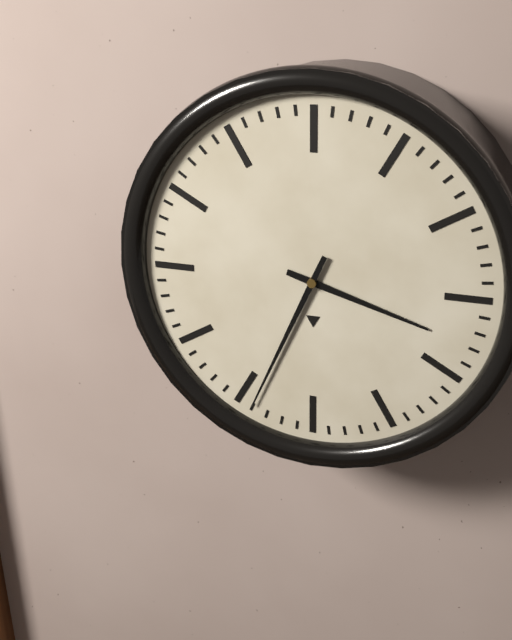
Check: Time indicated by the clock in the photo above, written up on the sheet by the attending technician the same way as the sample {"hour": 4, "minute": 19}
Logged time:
{"hour": 3, "minute": 34}
